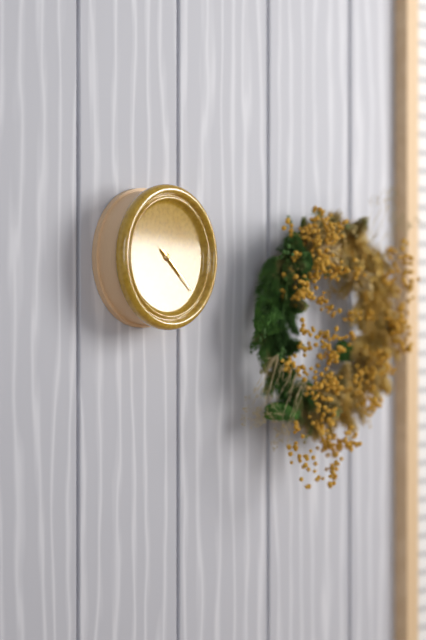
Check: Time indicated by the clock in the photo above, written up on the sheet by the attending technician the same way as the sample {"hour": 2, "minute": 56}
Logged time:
{"hour": 4, "minute": 22}
